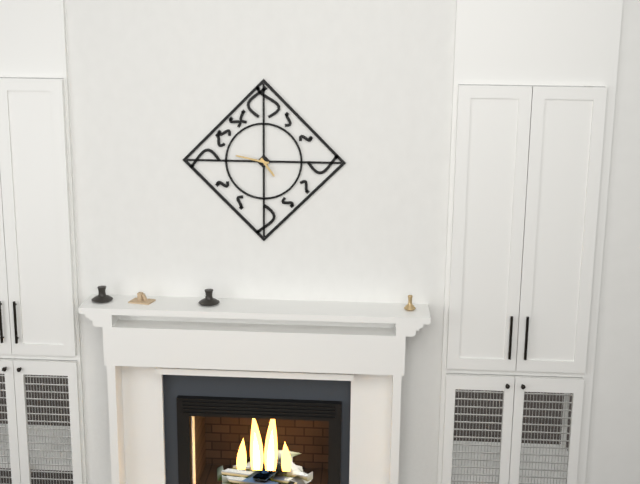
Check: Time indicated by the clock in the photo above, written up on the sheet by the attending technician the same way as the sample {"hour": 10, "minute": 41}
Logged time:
{"hour": 4, "minute": 47}
